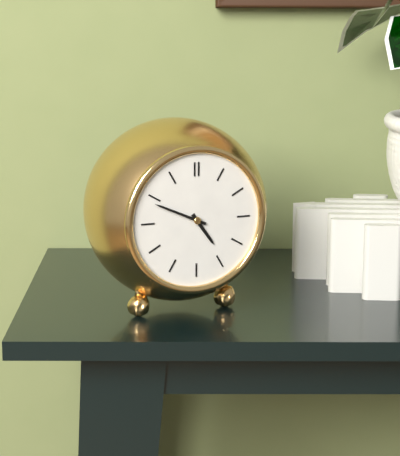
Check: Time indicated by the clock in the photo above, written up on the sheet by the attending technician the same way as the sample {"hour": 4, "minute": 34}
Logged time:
{"hour": 4, "minute": 49}
